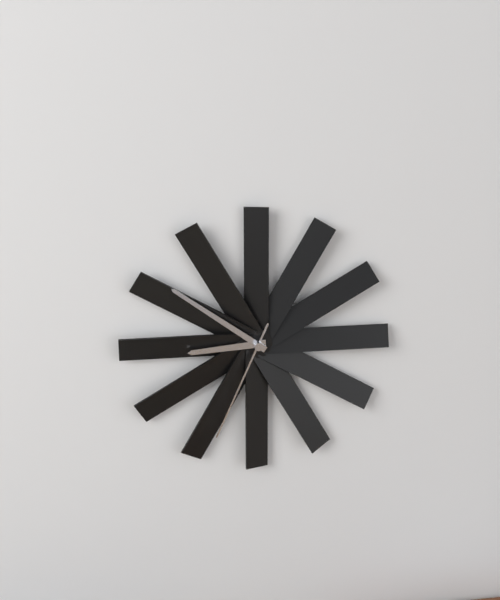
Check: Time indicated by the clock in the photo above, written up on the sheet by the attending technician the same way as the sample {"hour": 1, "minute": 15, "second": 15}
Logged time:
{"hour": 8, "minute": 51, "second": 34}
